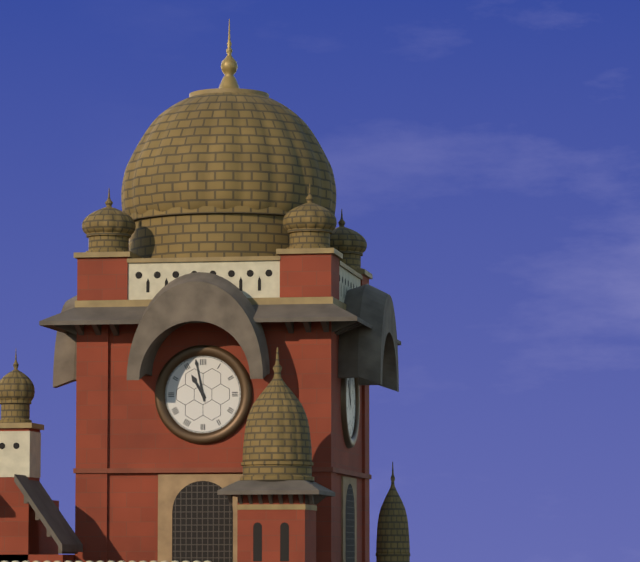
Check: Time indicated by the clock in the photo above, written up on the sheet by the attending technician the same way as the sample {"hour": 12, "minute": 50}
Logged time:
{"hour": 10, "minute": 58}
